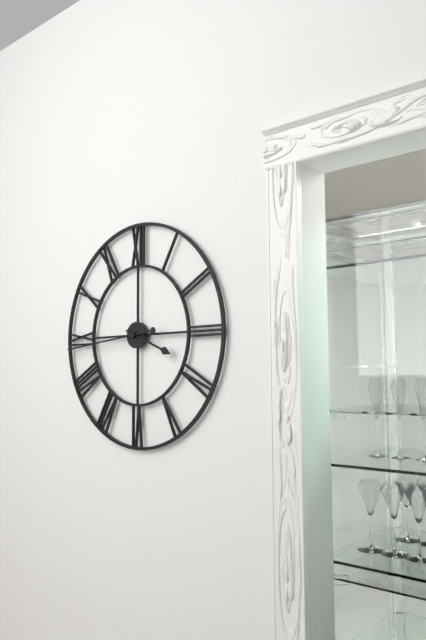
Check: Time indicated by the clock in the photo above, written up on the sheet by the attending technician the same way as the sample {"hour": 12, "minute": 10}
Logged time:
{"hour": 3, "minute": 44}
